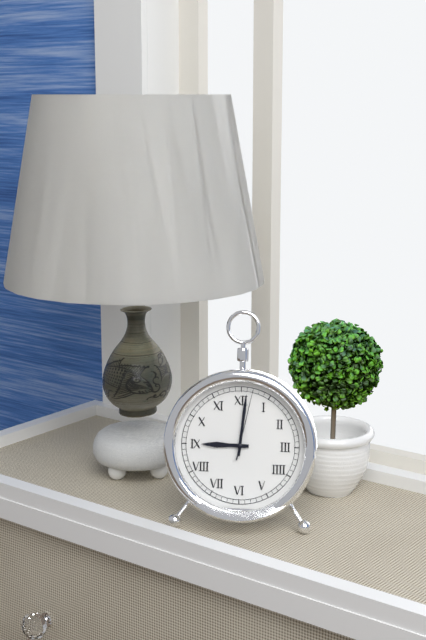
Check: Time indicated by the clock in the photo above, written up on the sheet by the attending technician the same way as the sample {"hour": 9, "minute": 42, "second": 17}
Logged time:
{"hour": 9, "minute": 1, "second": 2}
